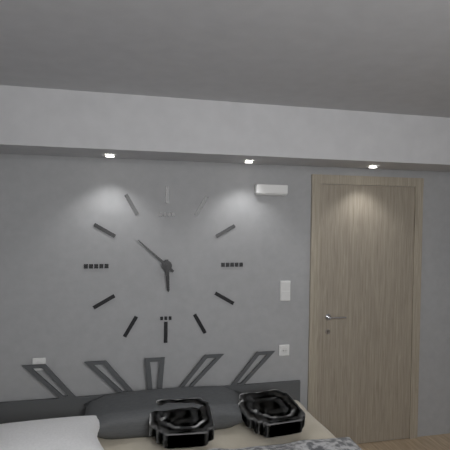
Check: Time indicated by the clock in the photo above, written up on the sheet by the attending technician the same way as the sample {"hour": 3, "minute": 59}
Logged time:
{"hour": 5, "minute": 52}
